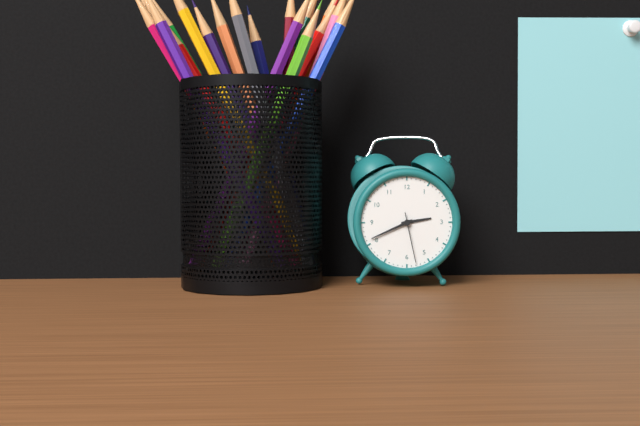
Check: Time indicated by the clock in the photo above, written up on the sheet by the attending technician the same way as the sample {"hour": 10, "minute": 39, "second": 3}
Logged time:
{"hour": 2, "minute": 41, "second": 28}
